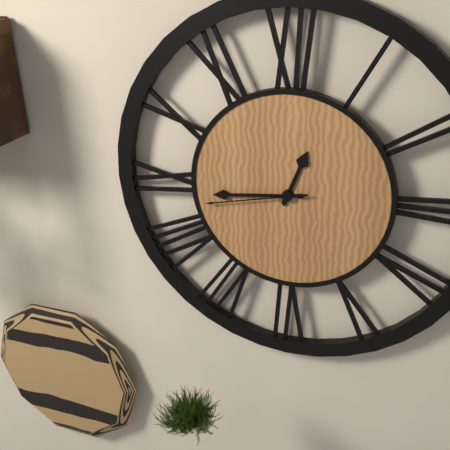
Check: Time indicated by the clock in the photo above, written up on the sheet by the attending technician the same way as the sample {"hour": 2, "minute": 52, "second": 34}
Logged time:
{"hour": 12, "minute": 44, "second": 43}
